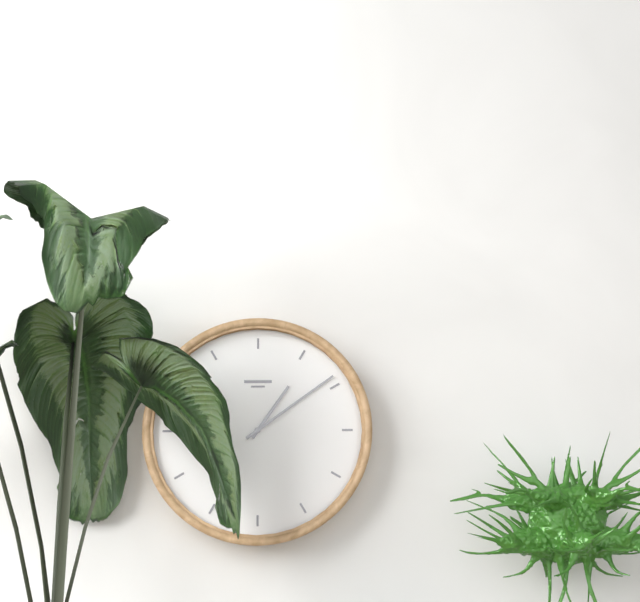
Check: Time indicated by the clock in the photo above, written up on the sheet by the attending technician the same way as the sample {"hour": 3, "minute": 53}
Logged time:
{"hour": 1, "minute": 9}
